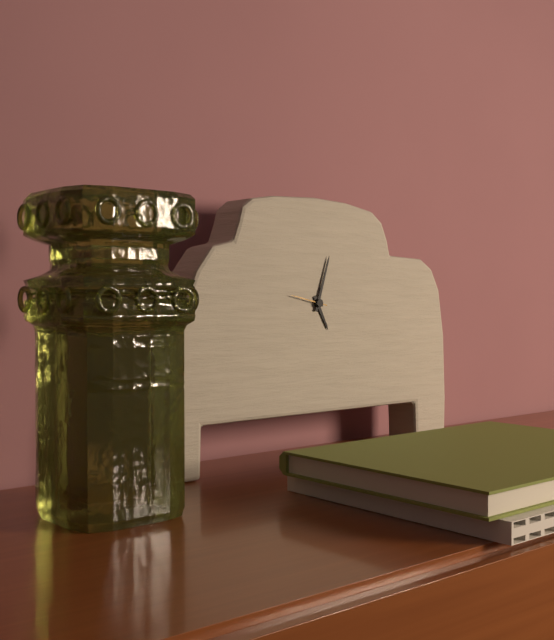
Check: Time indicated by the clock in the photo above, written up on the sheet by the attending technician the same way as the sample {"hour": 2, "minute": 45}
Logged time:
{"hour": 5, "minute": 3}
